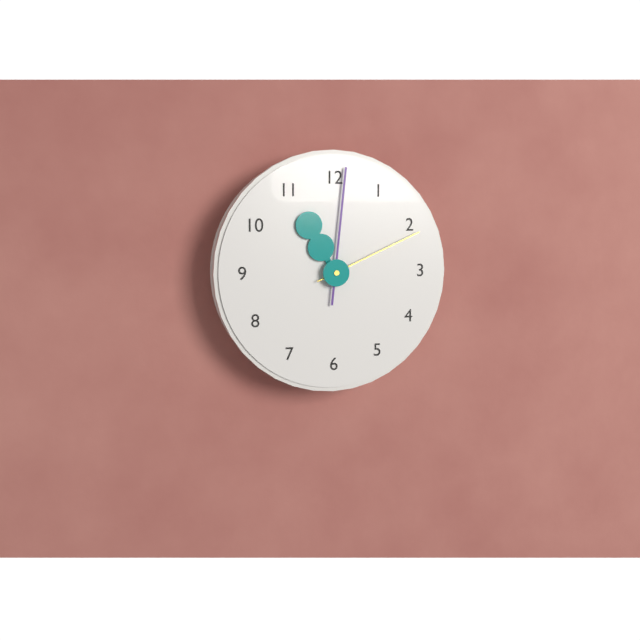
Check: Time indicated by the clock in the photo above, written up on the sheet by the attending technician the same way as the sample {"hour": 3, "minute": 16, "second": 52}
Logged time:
{"hour": 11, "minute": 1, "second": 11}
